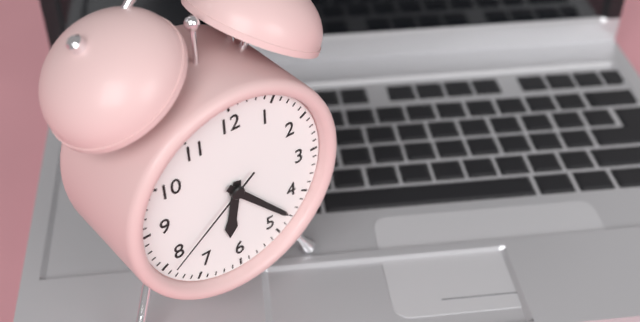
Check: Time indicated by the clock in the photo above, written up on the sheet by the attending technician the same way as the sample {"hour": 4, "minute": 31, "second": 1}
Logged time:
{"hour": 6, "minute": 23, "second": 39}
